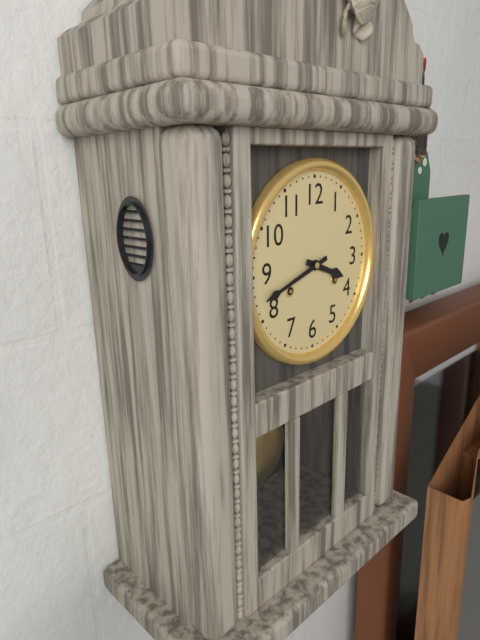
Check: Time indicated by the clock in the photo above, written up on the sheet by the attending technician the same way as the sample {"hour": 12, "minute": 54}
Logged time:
{"hour": 3, "minute": 42}
